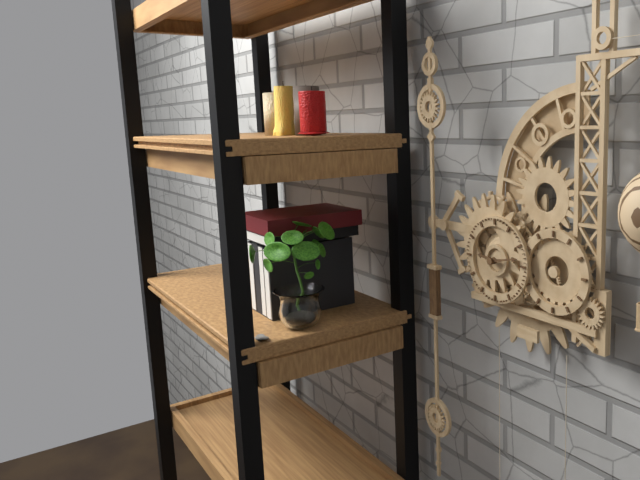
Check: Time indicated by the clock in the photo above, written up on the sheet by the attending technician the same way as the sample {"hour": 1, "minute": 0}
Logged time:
{"hour": 9, "minute": 13}
